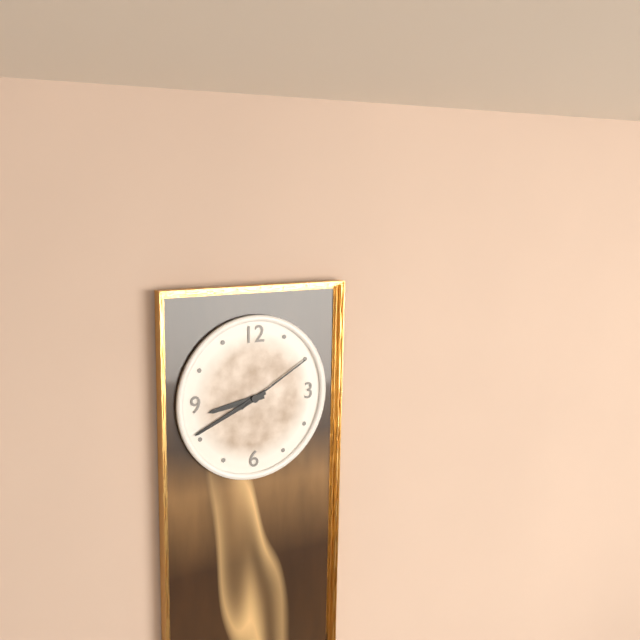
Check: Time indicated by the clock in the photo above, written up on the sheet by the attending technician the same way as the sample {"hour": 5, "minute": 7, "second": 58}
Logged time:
{"hour": 8, "minute": 41, "second": 10}
